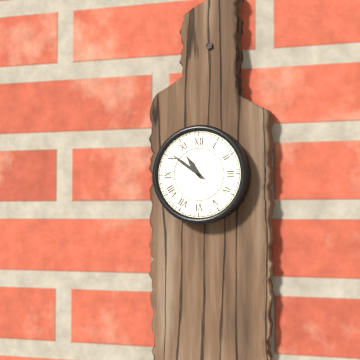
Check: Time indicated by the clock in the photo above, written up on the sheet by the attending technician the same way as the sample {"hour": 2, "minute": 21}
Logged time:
{"hour": 10, "minute": 51}
